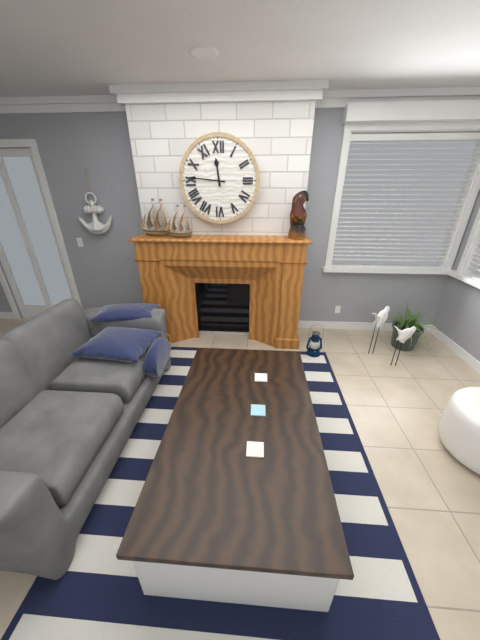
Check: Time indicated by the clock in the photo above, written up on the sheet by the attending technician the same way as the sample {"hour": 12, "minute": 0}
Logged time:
{"hour": 11, "minute": 46}
